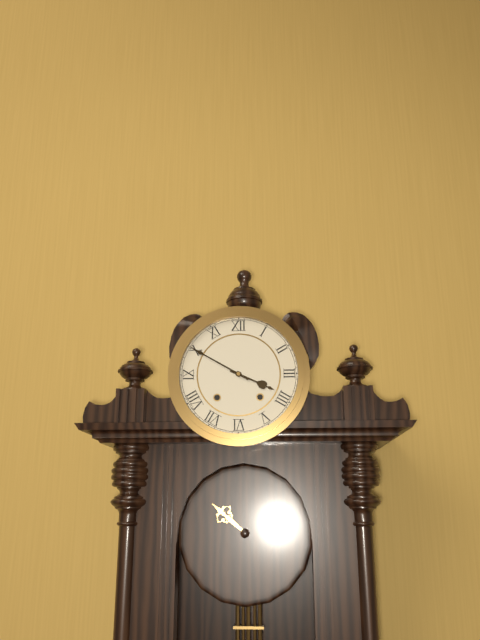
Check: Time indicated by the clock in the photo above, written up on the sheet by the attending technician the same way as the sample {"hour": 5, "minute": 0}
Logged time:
{"hour": 3, "minute": 50}
